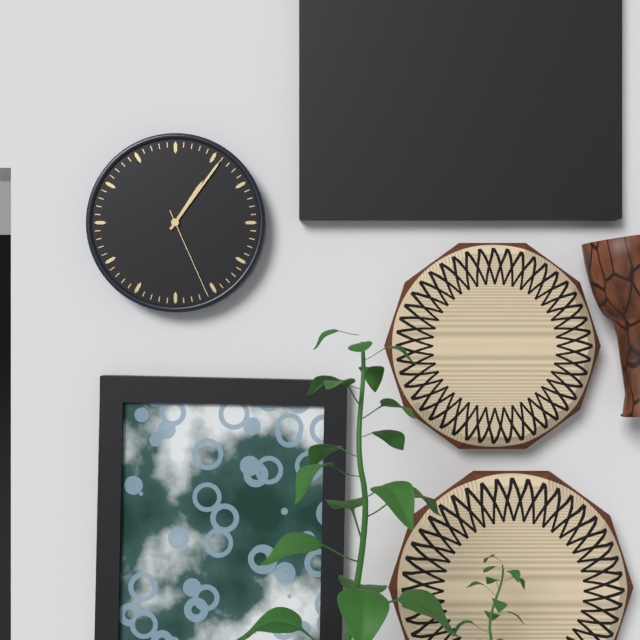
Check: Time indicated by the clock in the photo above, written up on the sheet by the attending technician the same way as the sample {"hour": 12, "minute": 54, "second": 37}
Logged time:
{"hour": 1, "minute": 6, "second": 26}
